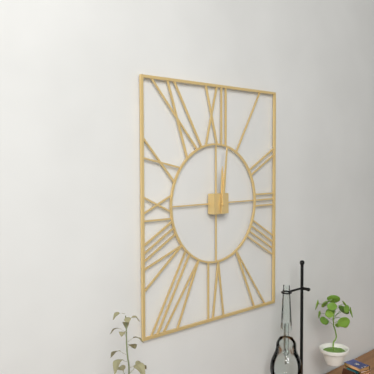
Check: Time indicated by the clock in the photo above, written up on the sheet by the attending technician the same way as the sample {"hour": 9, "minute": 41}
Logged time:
{"hour": 12, "minute": 1}
